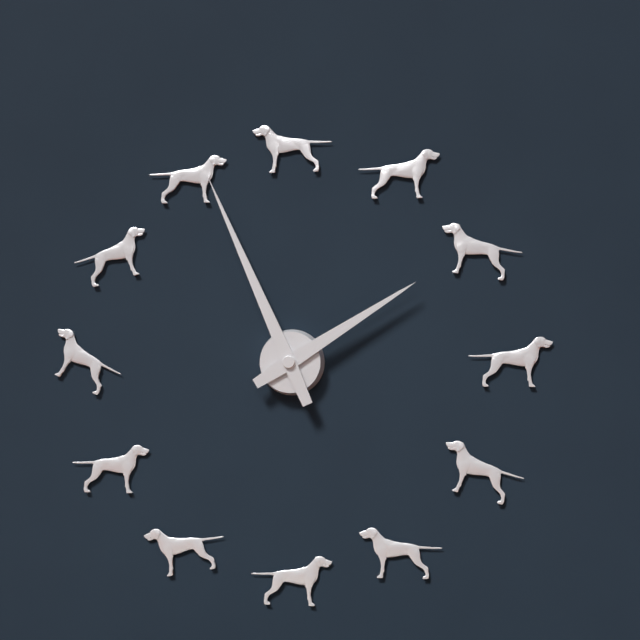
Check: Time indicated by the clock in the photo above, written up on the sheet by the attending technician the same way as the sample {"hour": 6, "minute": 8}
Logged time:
{"hour": 1, "minute": 56}
